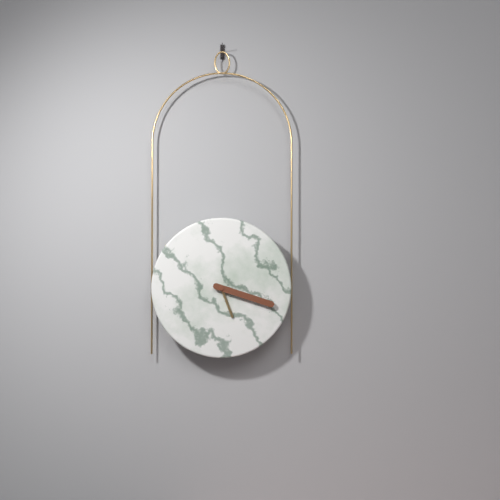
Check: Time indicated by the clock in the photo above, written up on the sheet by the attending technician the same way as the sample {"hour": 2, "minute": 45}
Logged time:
{"hour": 5, "minute": 18}
